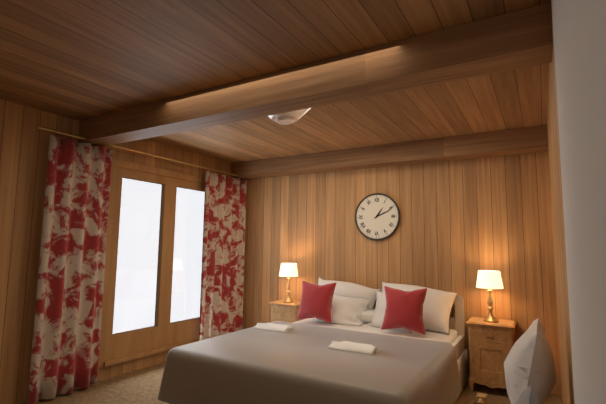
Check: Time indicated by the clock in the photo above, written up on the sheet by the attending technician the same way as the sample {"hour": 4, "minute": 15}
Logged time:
{"hour": 1, "minute": 11}
